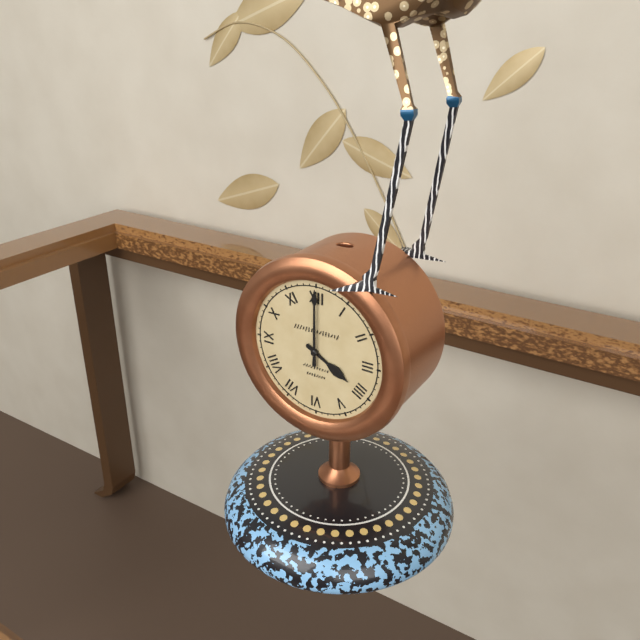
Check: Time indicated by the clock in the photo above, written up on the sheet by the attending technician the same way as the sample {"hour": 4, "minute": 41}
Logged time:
{"hour": 4, "minute": 0}
